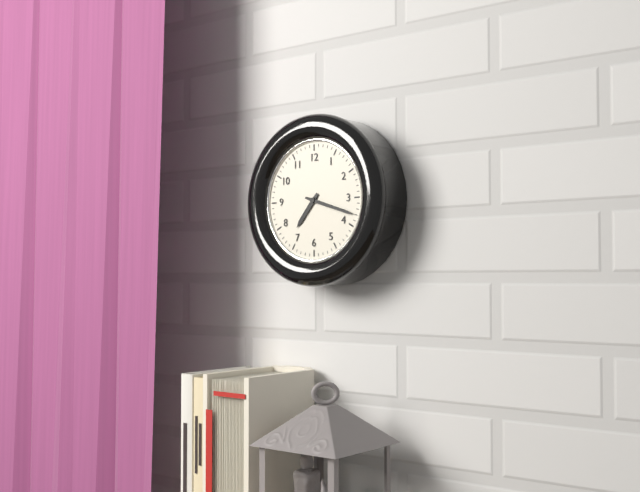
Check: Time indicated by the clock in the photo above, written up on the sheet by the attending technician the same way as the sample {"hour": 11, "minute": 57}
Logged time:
{"hour": 7, "minute": 18}
